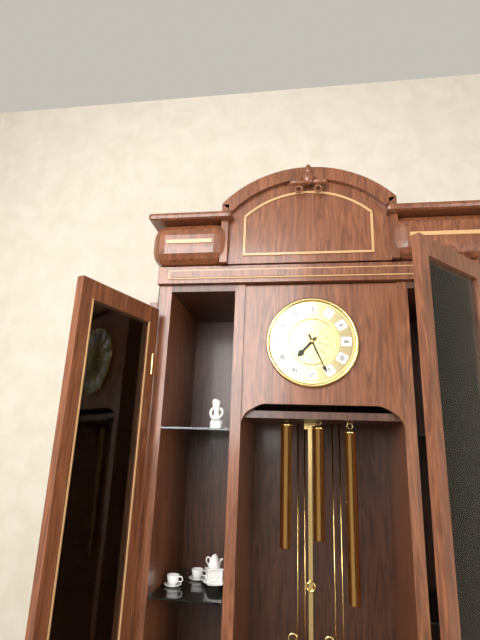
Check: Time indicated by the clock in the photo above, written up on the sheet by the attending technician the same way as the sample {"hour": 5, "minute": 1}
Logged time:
{"hour": 7, "minute": 26}
